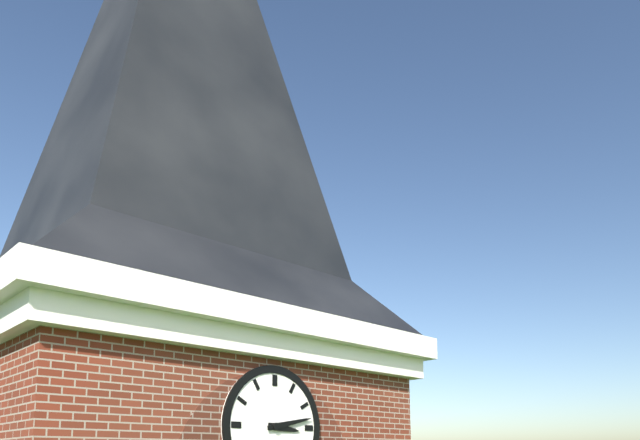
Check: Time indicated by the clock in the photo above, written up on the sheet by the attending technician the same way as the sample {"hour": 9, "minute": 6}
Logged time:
{"hour": 3, "minute": 13}
